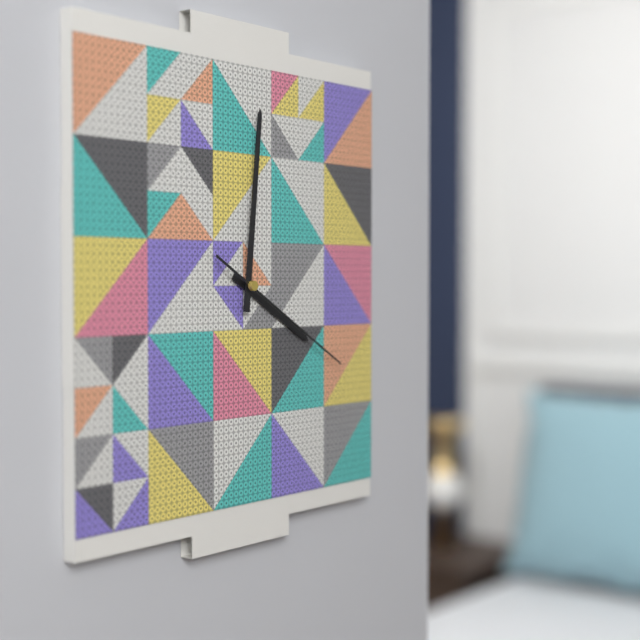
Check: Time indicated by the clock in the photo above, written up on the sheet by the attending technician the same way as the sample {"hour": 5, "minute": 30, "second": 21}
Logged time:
{"hour": 4, "minute": 1, "second": 20}
